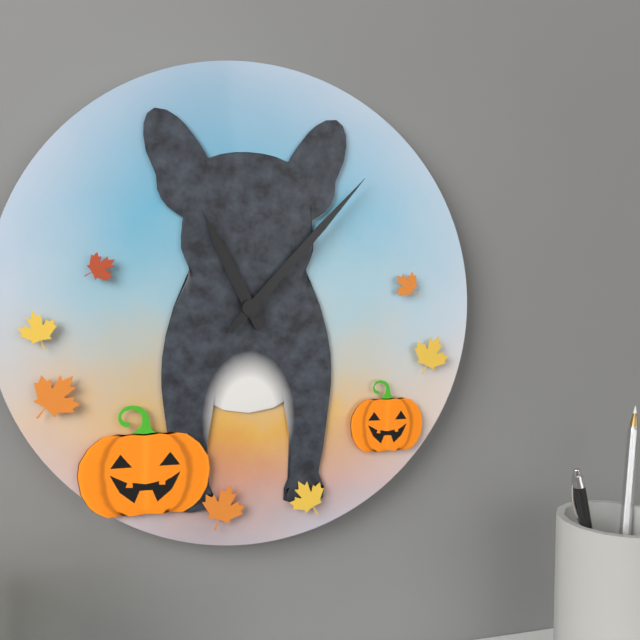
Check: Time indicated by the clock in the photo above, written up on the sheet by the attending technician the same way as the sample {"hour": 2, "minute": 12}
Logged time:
{"hour": 11, "minute": 7}
